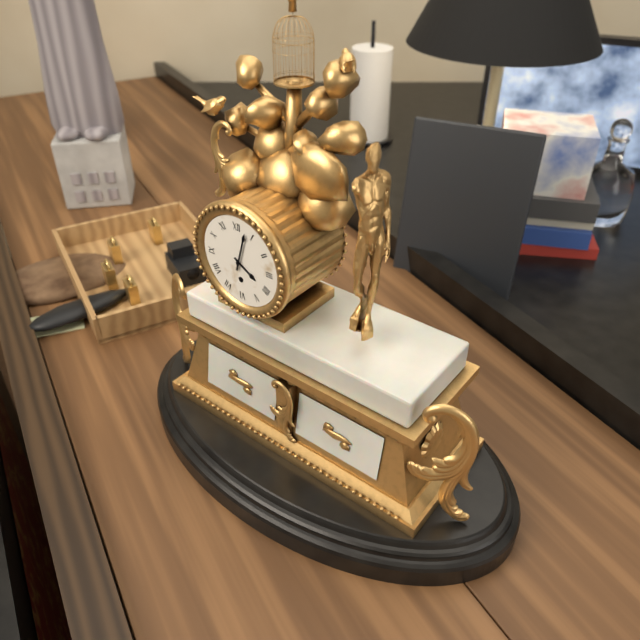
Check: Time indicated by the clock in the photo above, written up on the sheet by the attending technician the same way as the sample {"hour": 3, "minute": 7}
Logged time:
{"hour": 4, "minute": 3}
